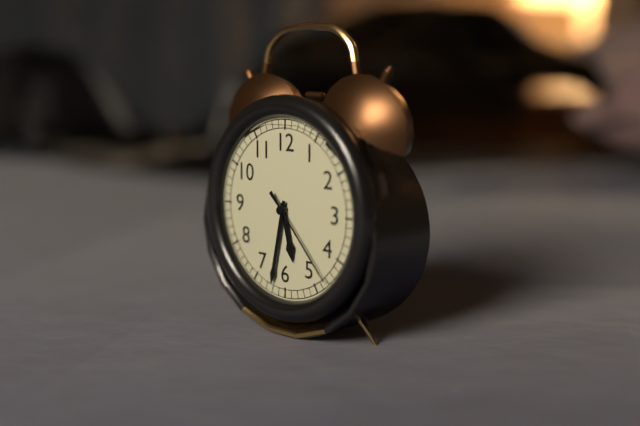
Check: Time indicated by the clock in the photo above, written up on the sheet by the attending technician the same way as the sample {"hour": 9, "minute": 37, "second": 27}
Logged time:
{"hour": 5, "minute": 32, "second": 23}
